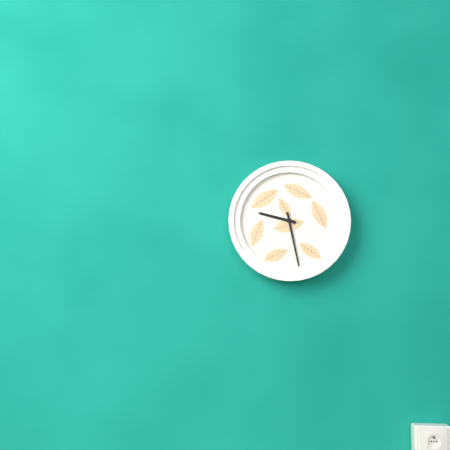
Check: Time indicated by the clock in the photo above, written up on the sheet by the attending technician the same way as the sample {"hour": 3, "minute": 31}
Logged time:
{"hour": 9, "minute": 28}
